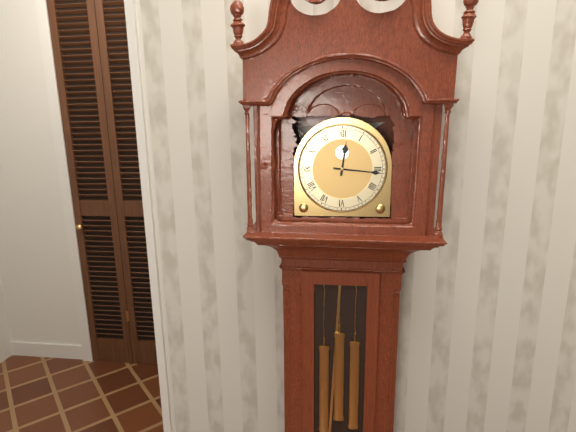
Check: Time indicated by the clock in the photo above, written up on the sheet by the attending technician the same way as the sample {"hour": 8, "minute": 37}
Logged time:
{"hour": 12, "minute": 16}
